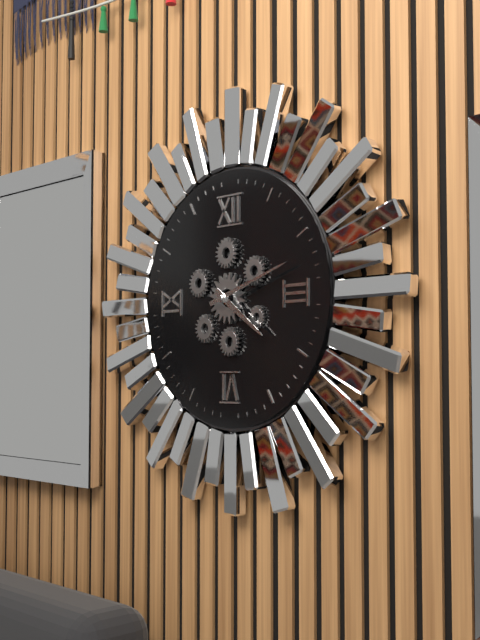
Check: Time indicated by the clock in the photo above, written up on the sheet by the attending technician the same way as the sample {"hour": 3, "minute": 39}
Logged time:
{"hour": 4, "minute": 12}
